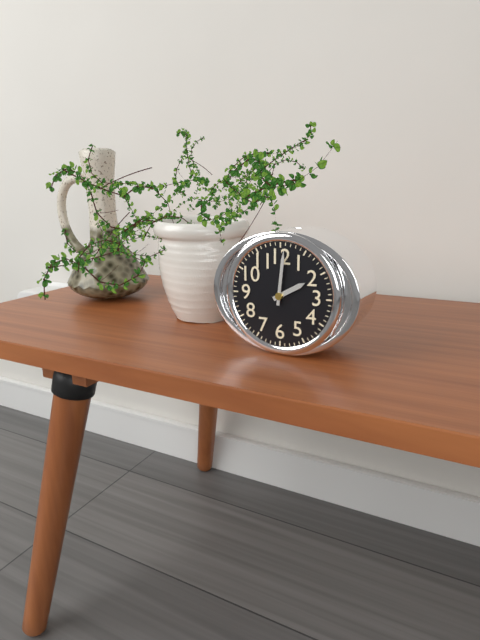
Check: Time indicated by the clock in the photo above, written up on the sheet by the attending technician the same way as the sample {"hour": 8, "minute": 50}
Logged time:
{"hour": 2, "minute": 1}
